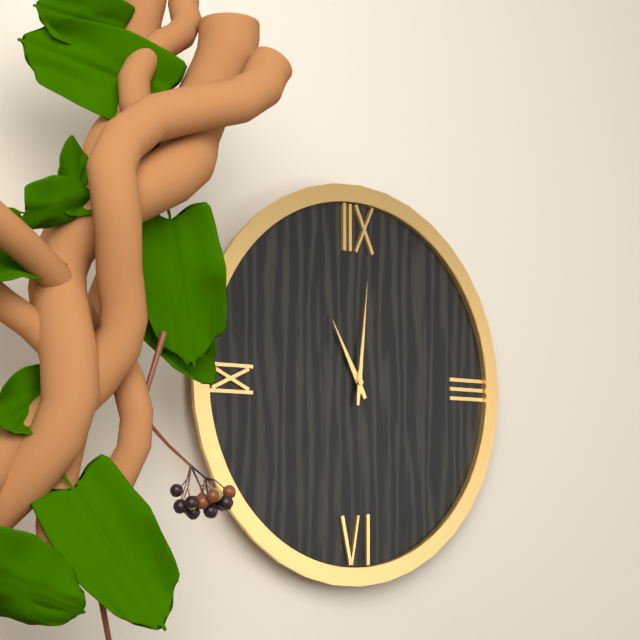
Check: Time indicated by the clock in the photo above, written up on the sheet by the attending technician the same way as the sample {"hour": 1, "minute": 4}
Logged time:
{"hour": 11, "minute": 1}
